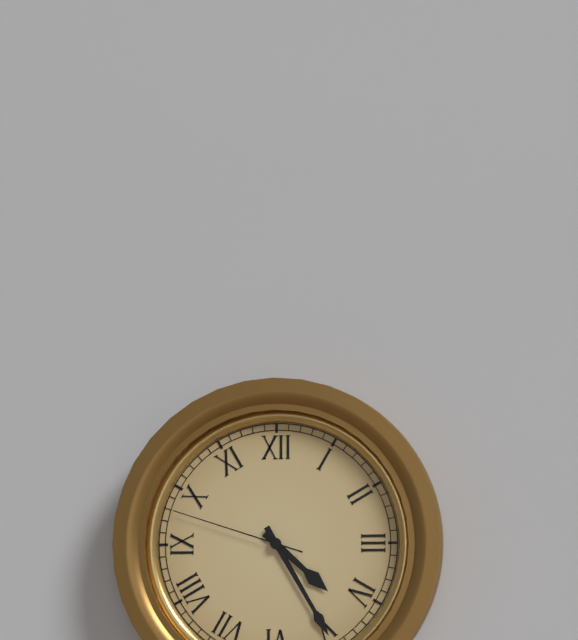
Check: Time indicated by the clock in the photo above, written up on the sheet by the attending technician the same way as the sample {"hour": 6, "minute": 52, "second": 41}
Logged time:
{"hour": 4, "minute": 25, "second": 48}
